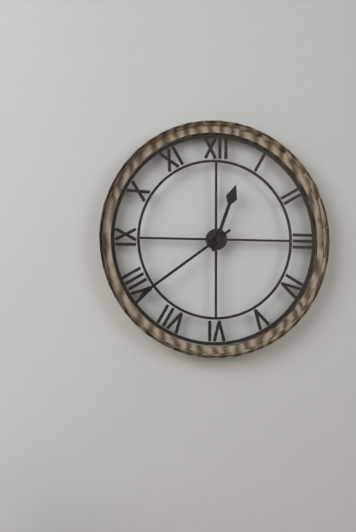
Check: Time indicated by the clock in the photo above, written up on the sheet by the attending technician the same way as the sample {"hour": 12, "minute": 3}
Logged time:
{"hour": 12, "minute": 39}
